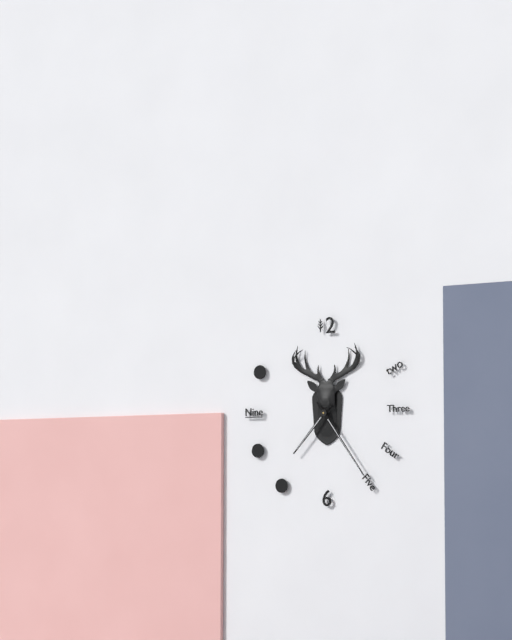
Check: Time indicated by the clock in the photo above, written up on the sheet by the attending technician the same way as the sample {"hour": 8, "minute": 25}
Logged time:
{"hour": 7, "minute": 24}
